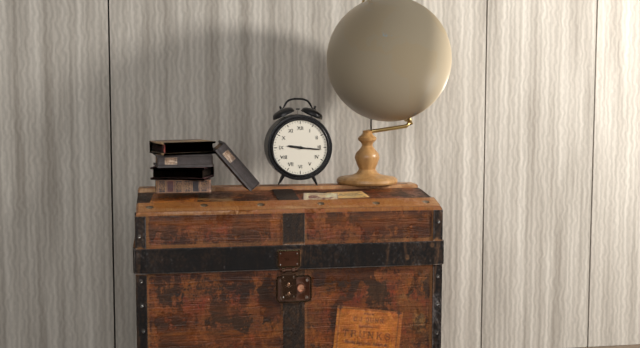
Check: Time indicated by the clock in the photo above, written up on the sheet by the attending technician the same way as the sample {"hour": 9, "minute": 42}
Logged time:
{"hour": 9, "minute": 16}
